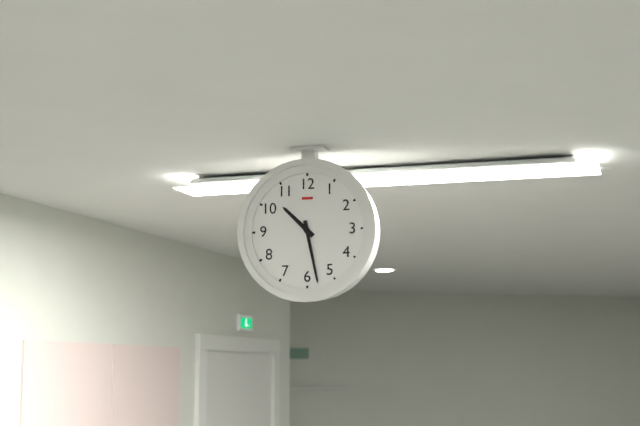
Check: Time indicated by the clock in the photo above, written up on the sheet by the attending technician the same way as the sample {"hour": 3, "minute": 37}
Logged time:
{"hour": 10, "minute": 28}
